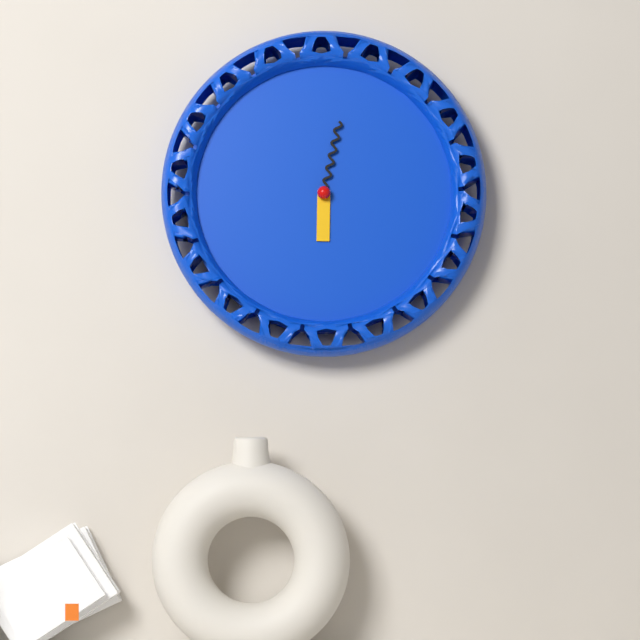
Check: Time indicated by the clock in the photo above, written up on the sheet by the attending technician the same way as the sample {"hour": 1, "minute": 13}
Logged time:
{"hour": 6, "minute": 2}
